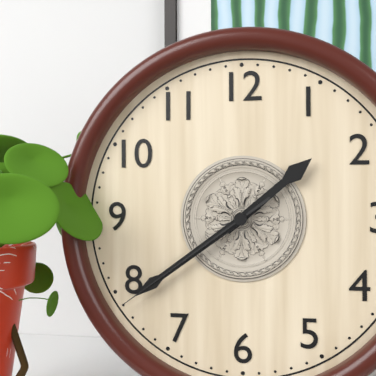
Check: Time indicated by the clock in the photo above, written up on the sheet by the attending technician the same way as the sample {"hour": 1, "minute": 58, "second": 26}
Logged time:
{"hour": 1, "minute": 39, "second": 39}
